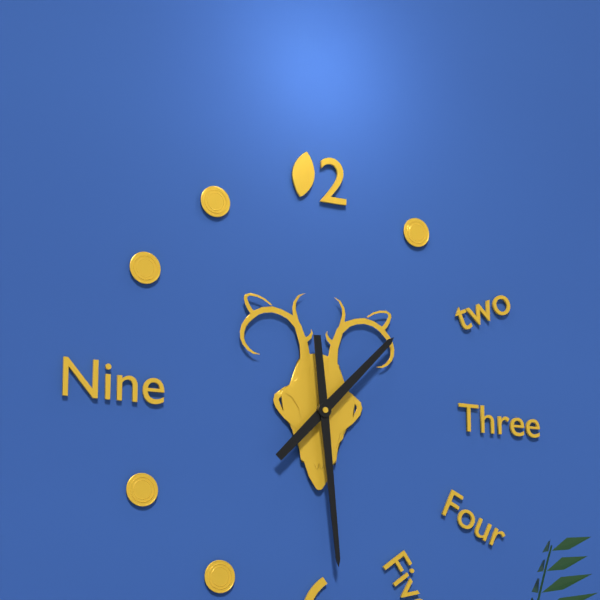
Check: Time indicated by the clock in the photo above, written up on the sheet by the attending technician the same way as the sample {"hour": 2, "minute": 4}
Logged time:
{"hour": 1, "minute": 29}
